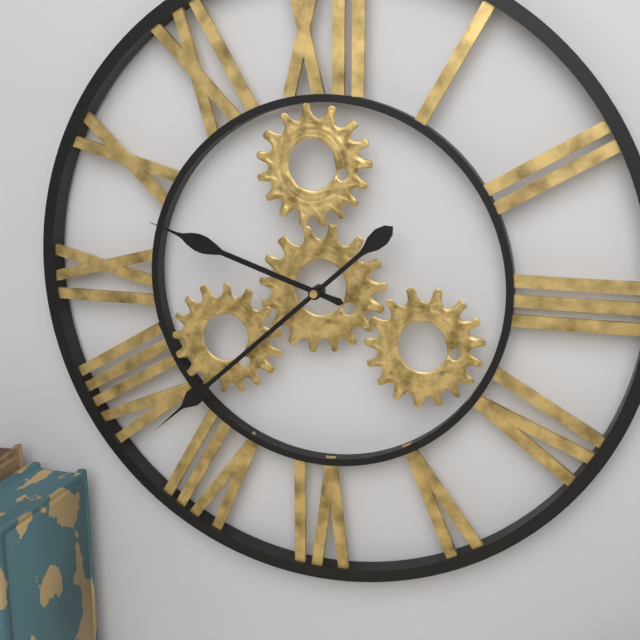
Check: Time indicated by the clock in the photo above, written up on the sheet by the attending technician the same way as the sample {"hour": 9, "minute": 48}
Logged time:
{"hour": 9, "minute": 38}
